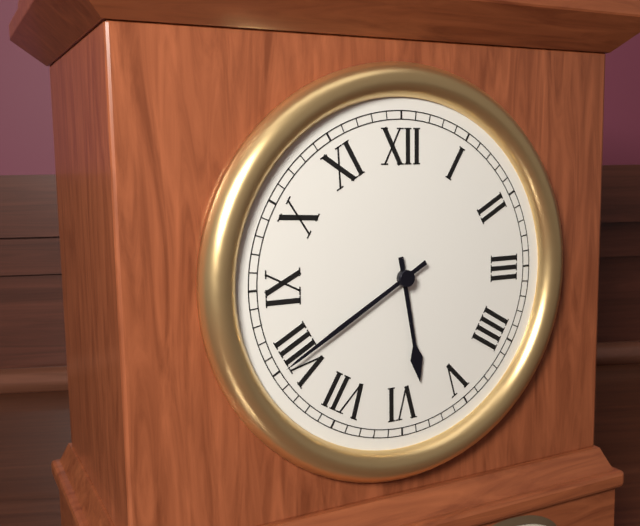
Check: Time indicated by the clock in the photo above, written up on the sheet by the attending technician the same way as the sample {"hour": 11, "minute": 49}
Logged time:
{"hour": 5, "minute": 40}
